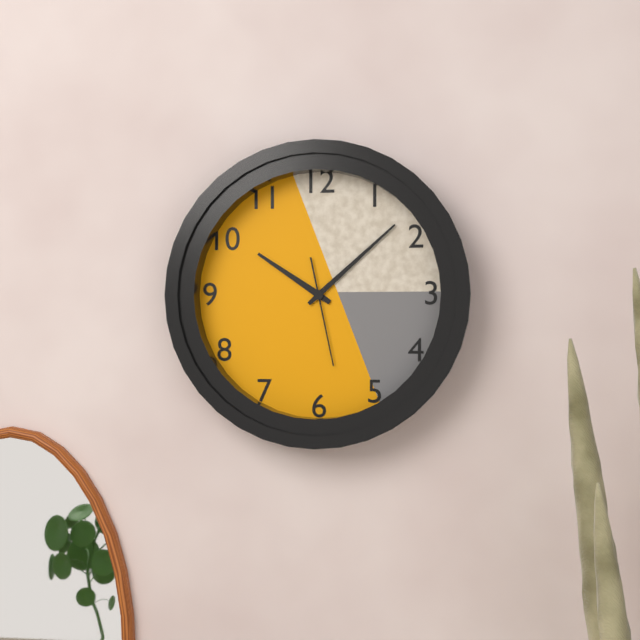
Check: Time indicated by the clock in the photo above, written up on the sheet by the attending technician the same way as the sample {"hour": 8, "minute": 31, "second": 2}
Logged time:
{"hour": 10, "minute": 8, "second": 28}
